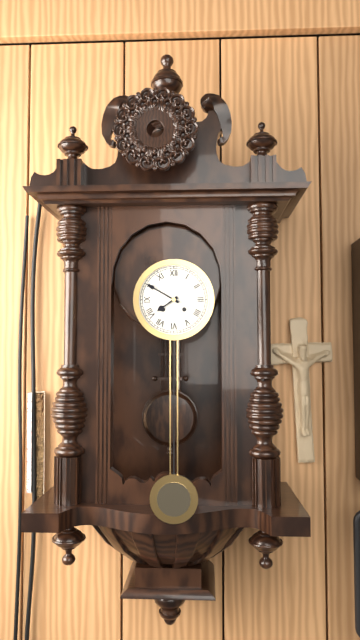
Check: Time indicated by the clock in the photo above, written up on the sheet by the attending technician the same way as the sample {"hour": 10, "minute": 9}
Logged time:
{"hour": 7, "minute": 50}
